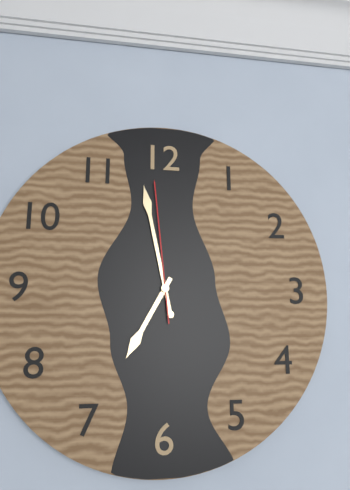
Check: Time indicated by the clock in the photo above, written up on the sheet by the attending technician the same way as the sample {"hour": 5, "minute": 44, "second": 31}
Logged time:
{"hour": 6, "minute": 58, "second": 59}
